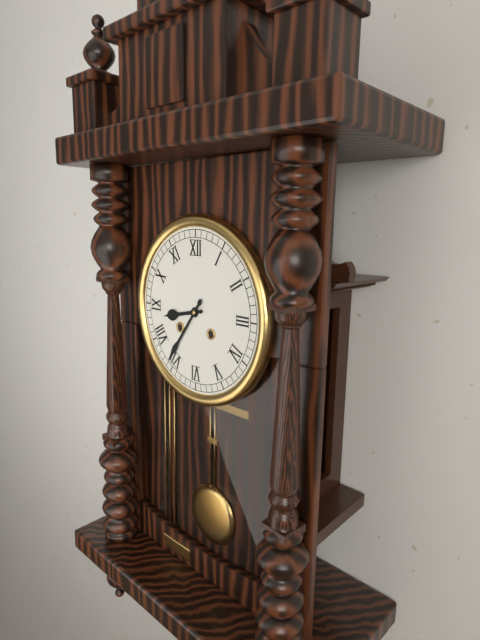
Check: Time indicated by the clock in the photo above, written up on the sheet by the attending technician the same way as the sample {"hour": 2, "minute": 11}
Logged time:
{"hour": 8, "minute": 36}
